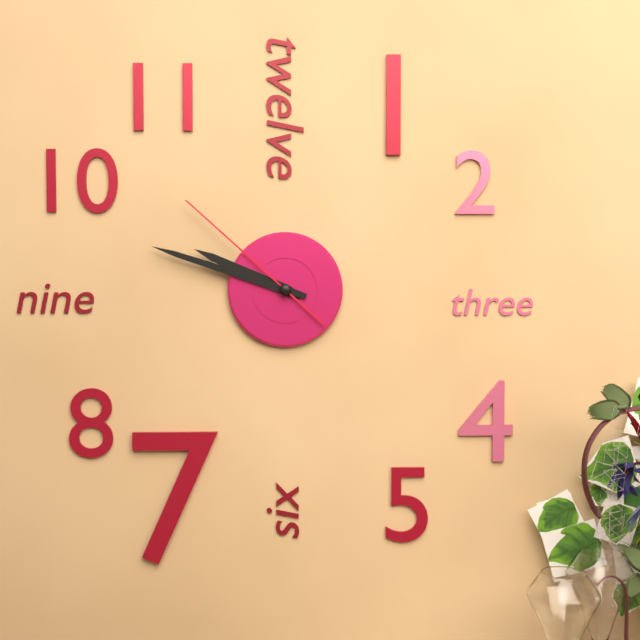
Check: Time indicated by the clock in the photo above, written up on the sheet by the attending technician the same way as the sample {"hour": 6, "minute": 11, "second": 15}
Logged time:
{"hour": 9, "minute": 48, "second": 52}
